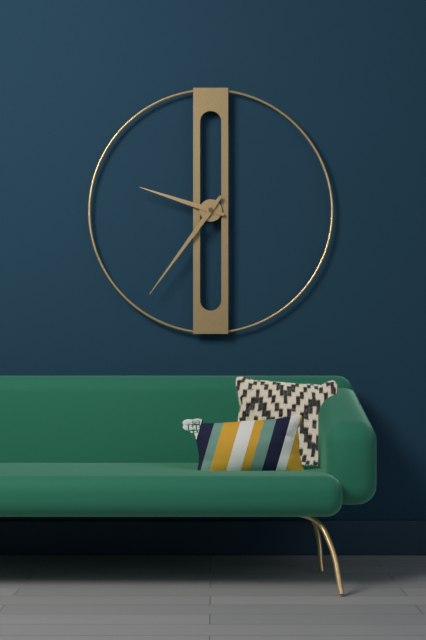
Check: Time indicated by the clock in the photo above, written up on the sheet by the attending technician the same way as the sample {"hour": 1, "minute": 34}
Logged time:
{"hour": 9, "minute": 36}
